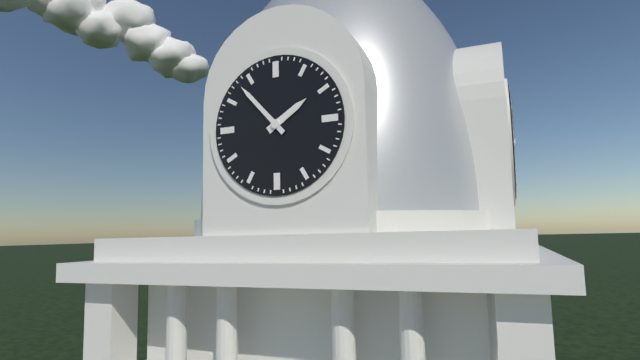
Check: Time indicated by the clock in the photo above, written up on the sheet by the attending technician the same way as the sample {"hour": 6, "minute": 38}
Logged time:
{"hour": 1, "minute": 53}
